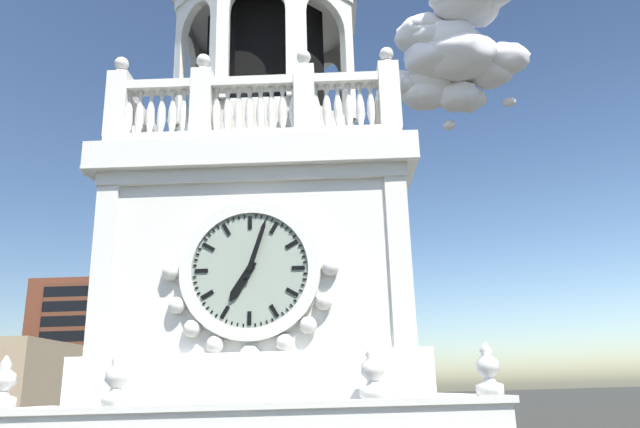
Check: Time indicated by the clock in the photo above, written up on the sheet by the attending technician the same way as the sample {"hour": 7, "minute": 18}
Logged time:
{"hour": 7, "minute": 3}
